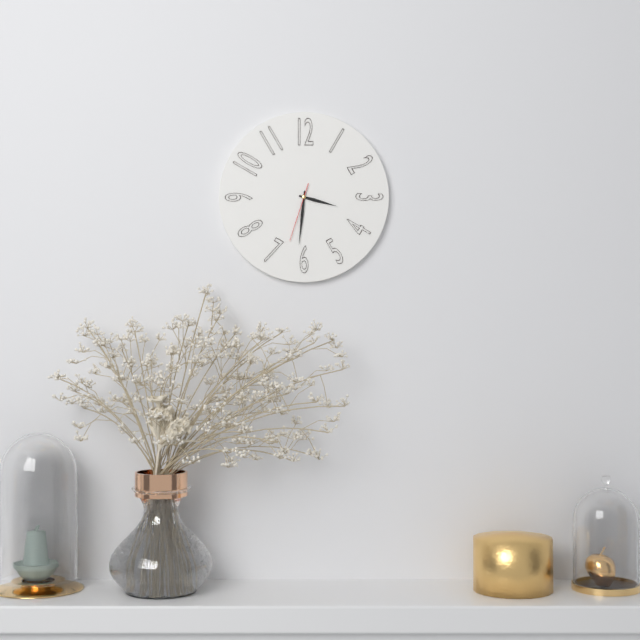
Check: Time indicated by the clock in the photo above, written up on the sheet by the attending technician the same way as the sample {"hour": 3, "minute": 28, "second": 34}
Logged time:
{"hour": 3, "minute": 31, "second": 33}
